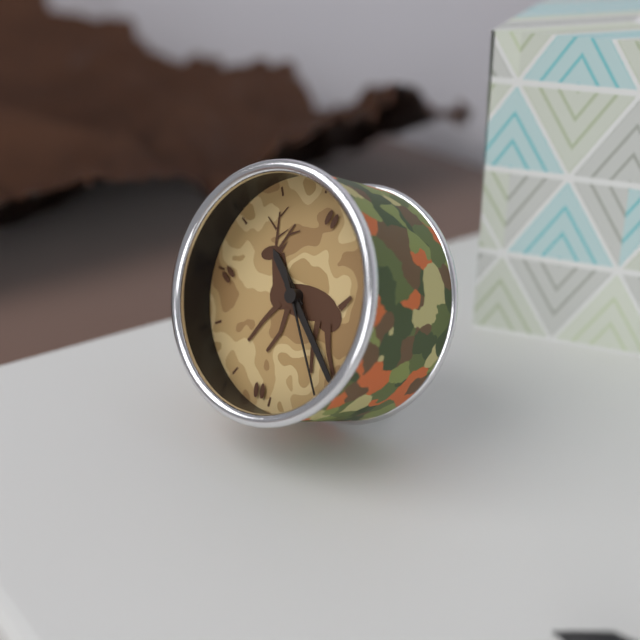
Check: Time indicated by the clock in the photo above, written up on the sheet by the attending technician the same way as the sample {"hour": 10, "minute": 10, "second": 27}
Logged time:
{"hour": 10, "minute": 22, "second": 24}
